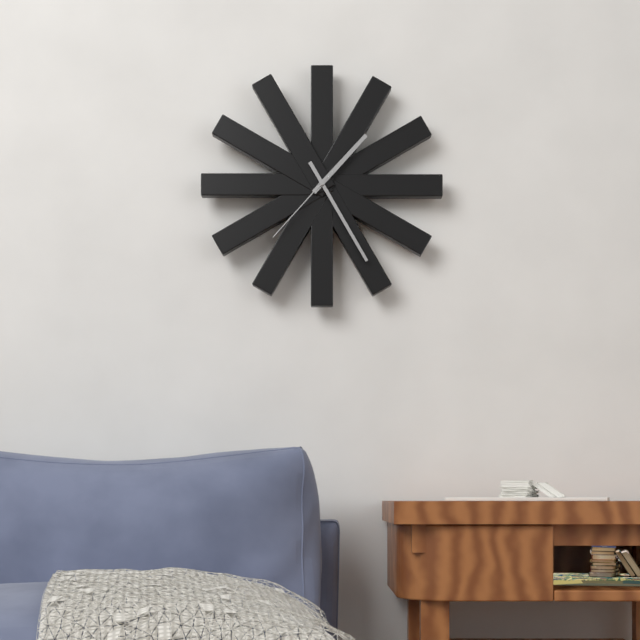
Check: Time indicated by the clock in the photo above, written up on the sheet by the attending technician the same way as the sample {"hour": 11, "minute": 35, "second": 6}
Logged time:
{"hour": 1, "minute": 25, "second": 37}
